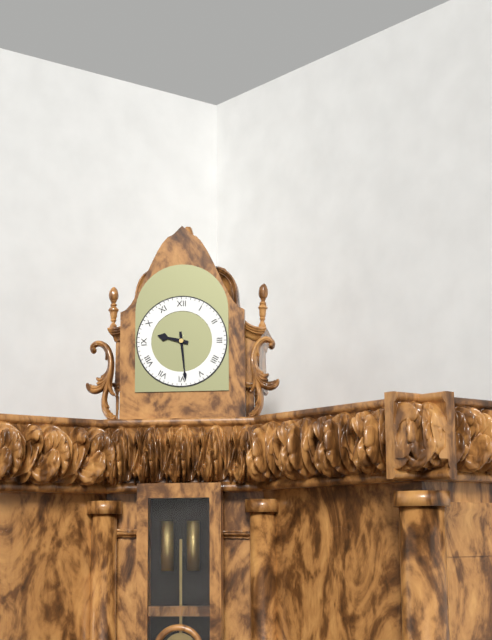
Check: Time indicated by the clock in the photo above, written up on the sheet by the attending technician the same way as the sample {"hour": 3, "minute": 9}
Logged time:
{"hour": 9, "minute": 29}
